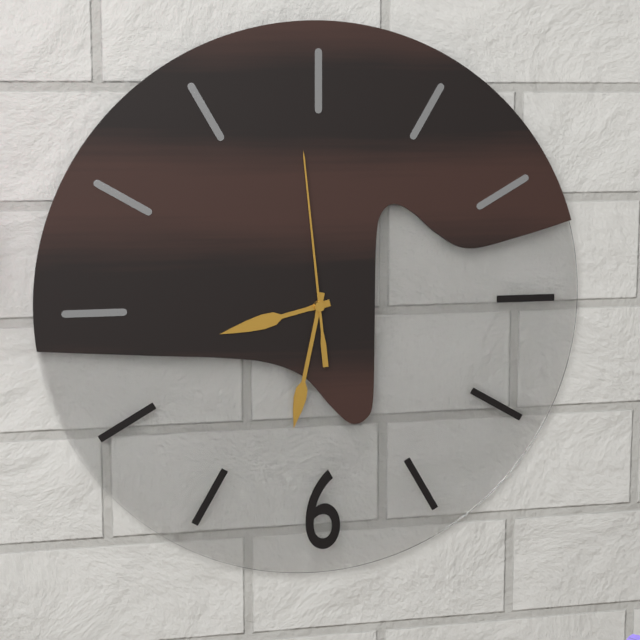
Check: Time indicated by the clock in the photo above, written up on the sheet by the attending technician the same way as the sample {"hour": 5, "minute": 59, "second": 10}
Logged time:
{"hour": 8, "minute": 32, "second": 59}
